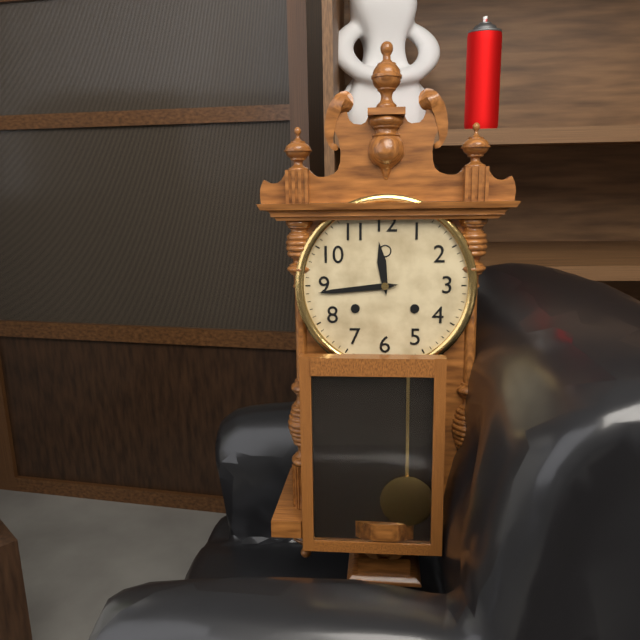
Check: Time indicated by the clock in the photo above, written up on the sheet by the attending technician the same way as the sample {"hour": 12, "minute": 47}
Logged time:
{"hour": 11, "minute": 44}
